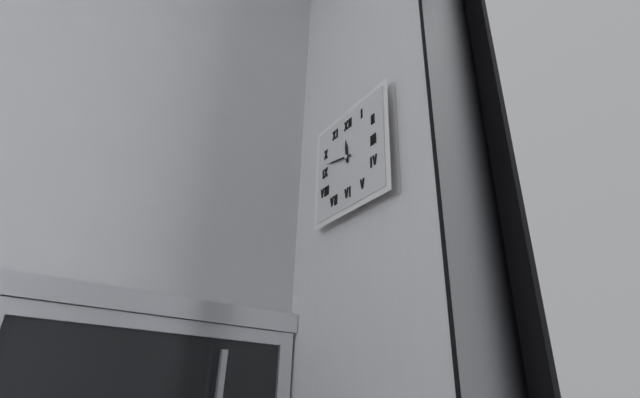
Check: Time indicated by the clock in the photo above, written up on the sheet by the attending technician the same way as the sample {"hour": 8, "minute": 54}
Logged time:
{"hour": 11, "minute": 47}
